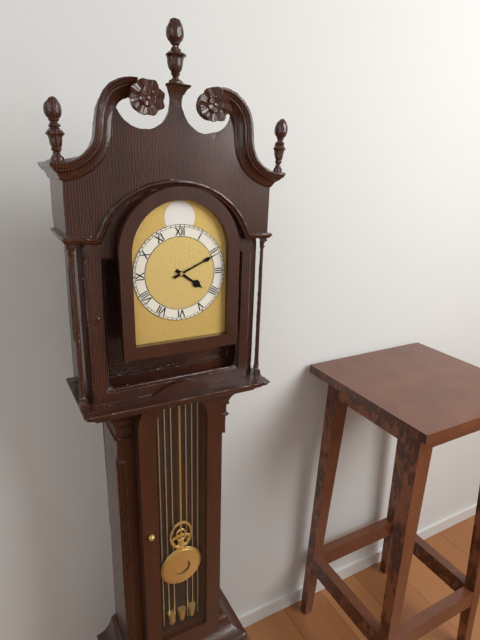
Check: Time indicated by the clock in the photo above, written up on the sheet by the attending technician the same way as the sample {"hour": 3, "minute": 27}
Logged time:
{"hour": 4, "minute": 11}
